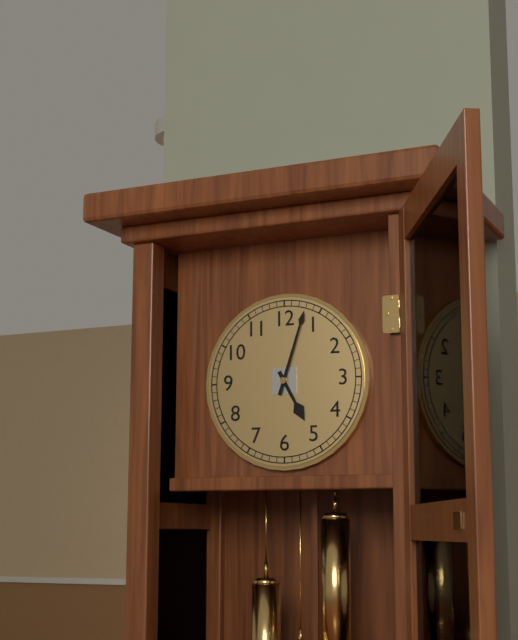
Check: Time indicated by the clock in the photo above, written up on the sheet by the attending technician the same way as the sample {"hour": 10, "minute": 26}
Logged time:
{"hour": 5, "minute": 3}
